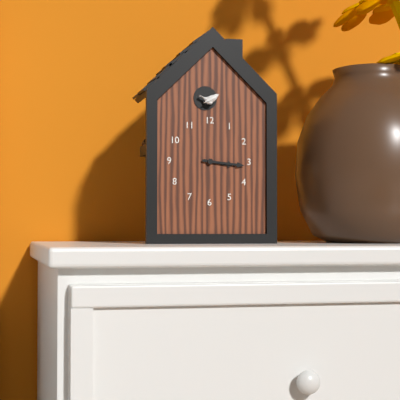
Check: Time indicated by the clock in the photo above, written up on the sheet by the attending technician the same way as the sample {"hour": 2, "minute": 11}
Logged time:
{"hour": 3, "minute": 16}
